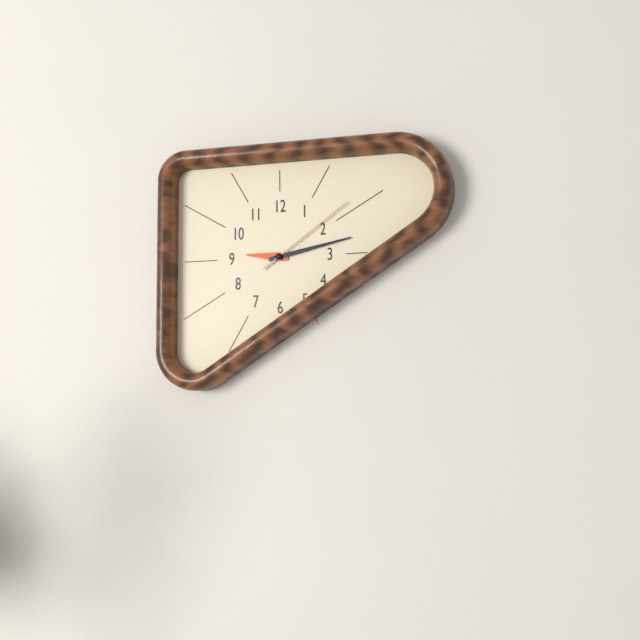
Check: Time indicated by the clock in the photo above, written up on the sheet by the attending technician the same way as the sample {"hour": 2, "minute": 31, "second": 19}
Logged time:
{"hour": 9, "minute": 13, "second": 9}
